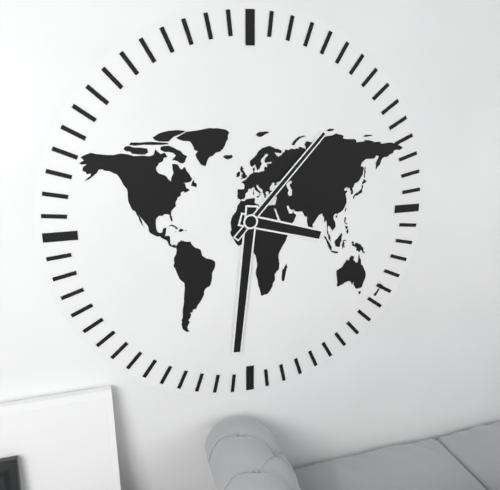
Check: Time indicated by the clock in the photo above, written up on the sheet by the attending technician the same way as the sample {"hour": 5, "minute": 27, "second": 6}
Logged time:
{"hour": 3, "minute": 31, "second": 7}
